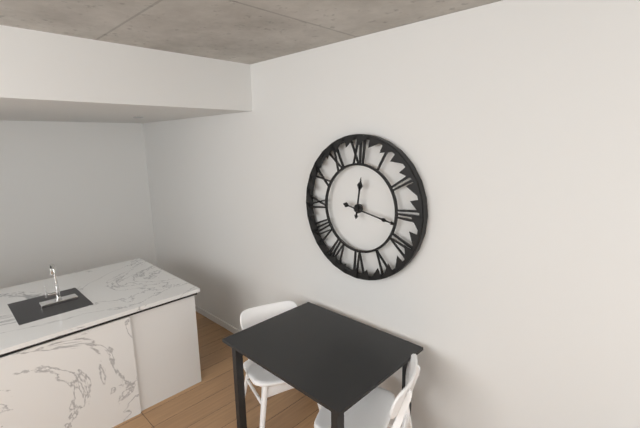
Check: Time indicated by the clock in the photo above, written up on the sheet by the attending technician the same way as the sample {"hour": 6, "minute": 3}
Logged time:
{"hour": 12, "minute": 17}
